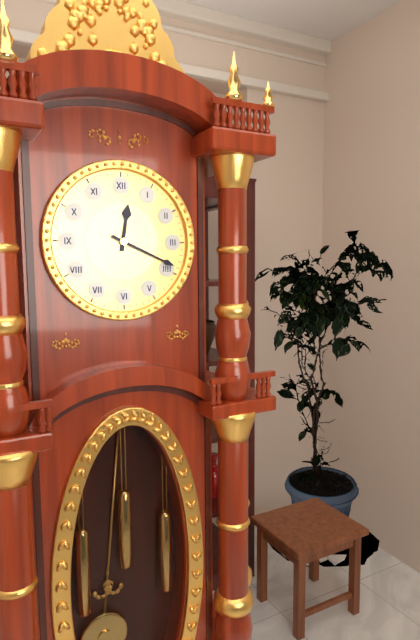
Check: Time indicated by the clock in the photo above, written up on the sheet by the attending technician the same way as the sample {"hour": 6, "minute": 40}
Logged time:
{"hour": 12, "minute": 19}
